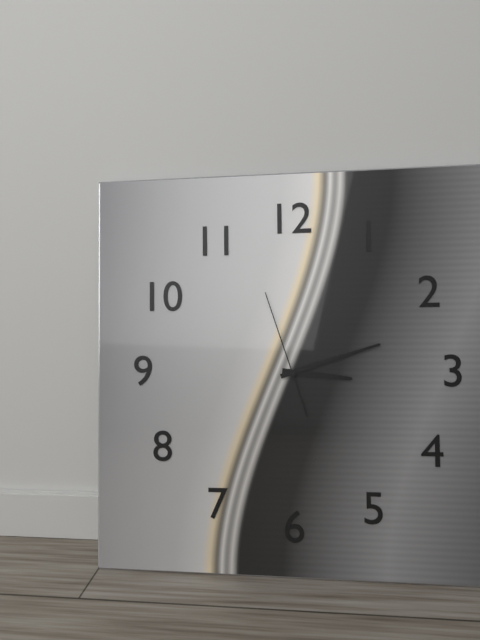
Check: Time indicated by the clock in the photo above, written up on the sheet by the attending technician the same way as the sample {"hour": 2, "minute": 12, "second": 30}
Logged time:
{"hour": 3, "minute": 12, "second": 57}
